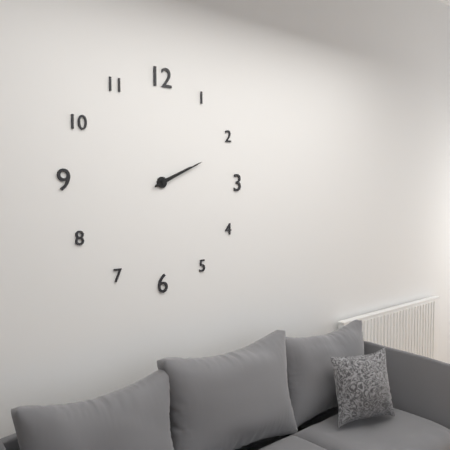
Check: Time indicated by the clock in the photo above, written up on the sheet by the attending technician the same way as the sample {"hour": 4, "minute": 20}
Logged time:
{"hour": 2, "minute": 11}
